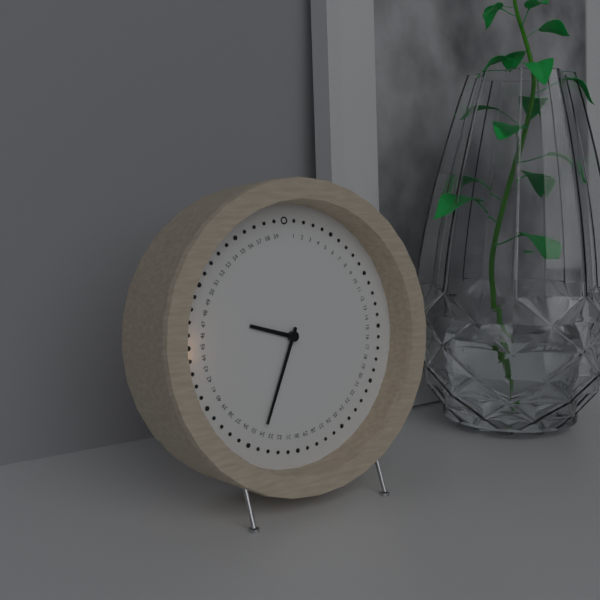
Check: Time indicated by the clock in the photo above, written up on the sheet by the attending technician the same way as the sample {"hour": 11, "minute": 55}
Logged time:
{"hour": 9, "minute": 34}
